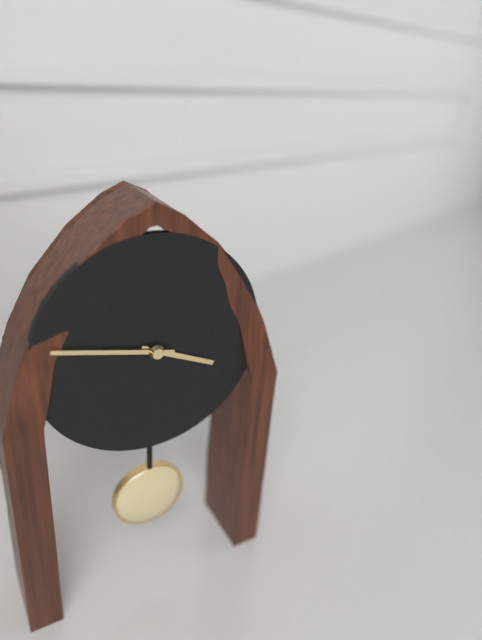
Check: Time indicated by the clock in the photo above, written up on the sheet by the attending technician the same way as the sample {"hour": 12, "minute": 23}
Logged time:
{"hour": 3, "minute": 47}
